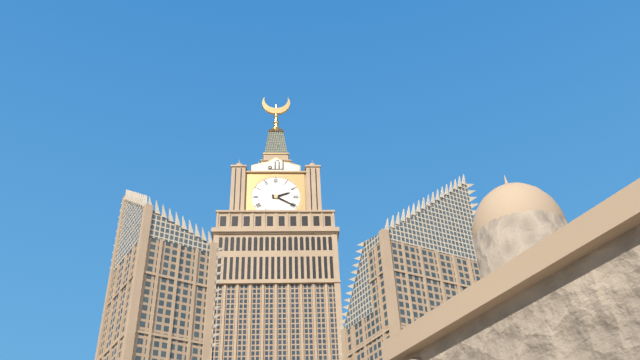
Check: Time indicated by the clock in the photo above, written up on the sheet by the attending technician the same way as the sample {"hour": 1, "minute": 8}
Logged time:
{"hour": 2, "minute": 20}
